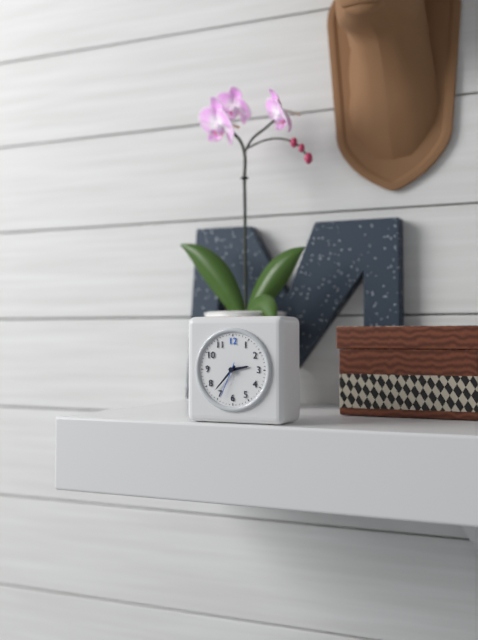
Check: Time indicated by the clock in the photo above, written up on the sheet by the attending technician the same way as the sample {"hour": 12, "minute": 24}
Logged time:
{"hour": 2, "minute": 37}
